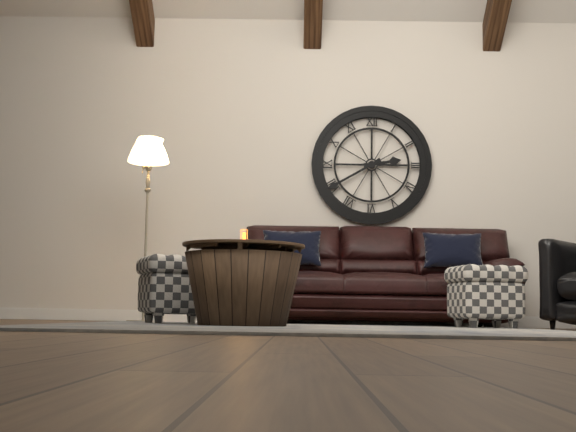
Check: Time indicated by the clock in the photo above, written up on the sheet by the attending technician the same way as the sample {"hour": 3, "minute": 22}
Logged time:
{"hour": 2, "minute": 40}
